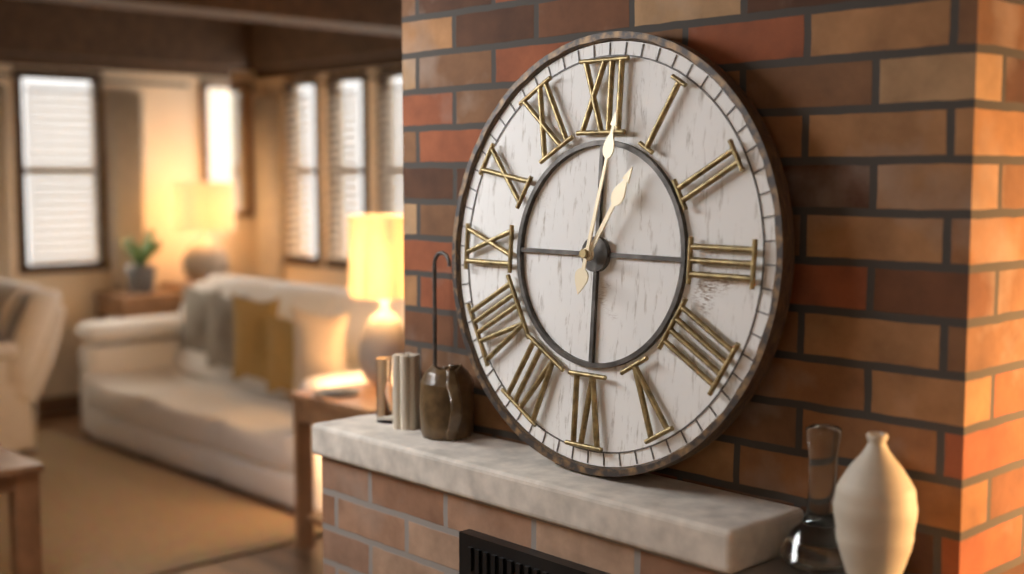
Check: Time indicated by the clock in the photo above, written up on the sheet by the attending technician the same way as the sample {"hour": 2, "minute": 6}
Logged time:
{"hour": 1, "minute": 2}
